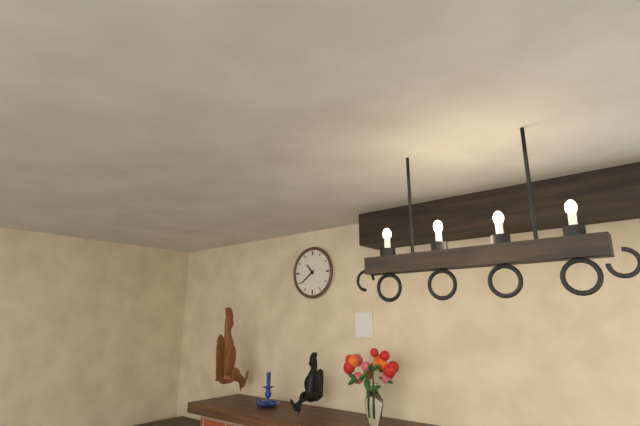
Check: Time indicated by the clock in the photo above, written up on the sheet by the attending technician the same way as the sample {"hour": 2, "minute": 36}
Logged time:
{"hour": 10, "minute": 39}
